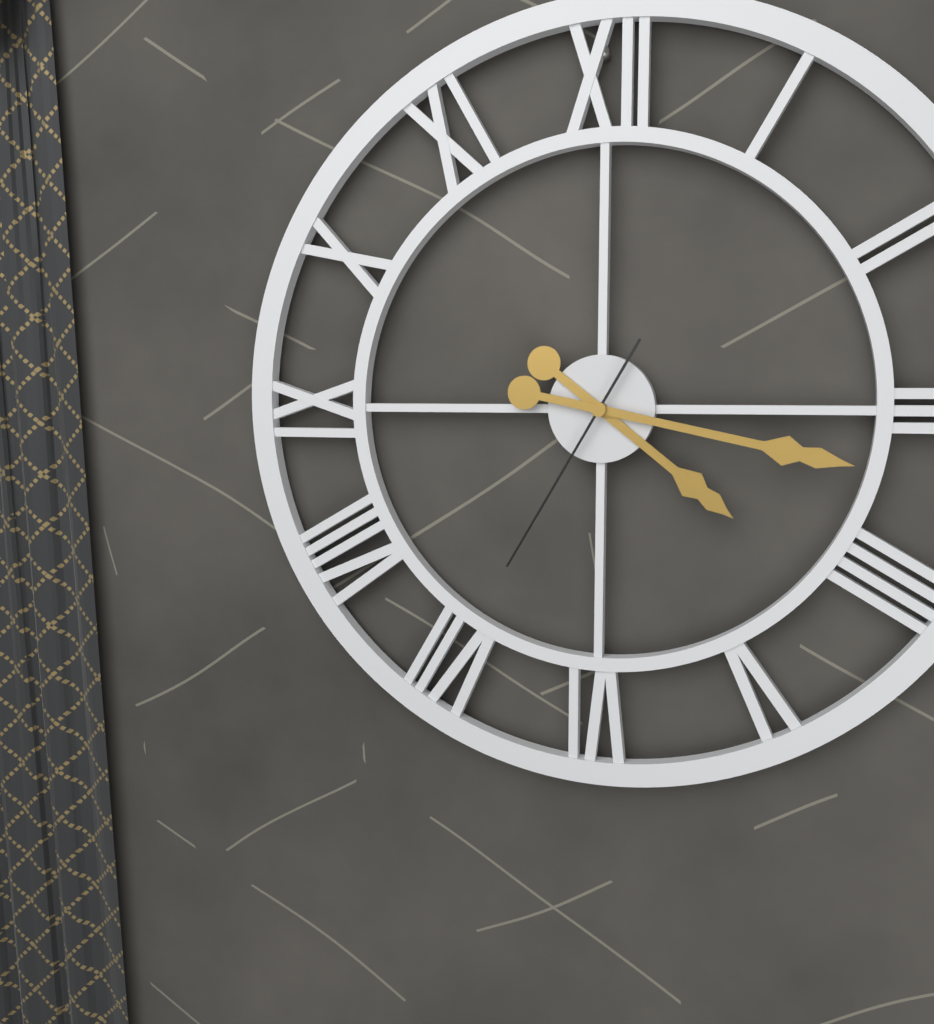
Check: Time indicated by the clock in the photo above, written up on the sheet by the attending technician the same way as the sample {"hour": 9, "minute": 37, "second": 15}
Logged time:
{"hour": 4, "minute": 17, "second": 35}
